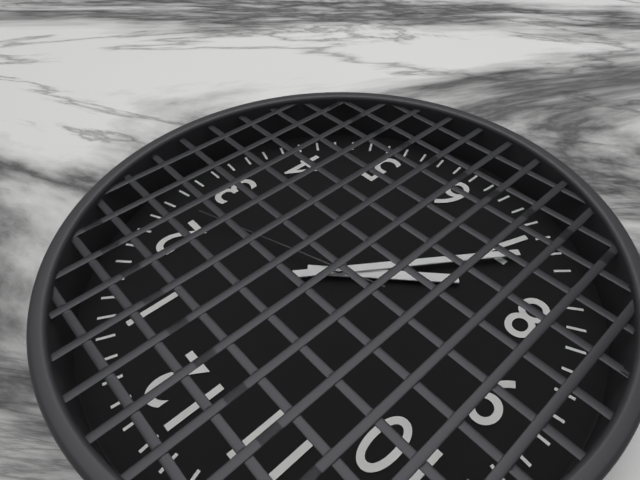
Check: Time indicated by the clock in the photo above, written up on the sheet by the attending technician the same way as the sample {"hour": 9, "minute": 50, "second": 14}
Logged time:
{"hour": 7, "minute": 36, "second": 12}
